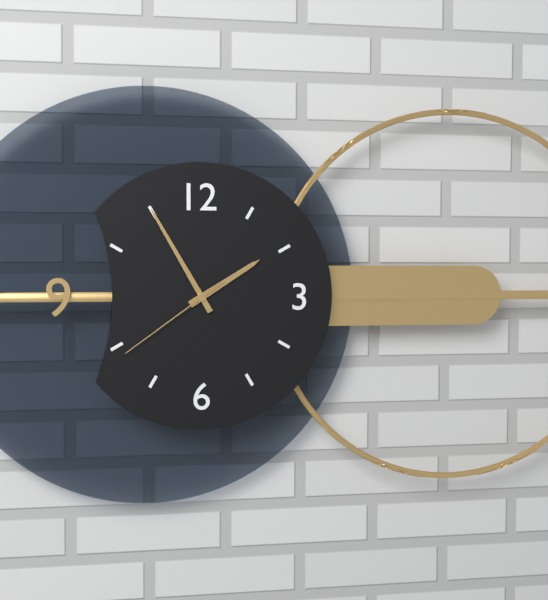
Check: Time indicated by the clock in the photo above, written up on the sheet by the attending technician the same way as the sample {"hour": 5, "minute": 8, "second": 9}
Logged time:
{"hour": 1, "minute": 55, "second": 39}
